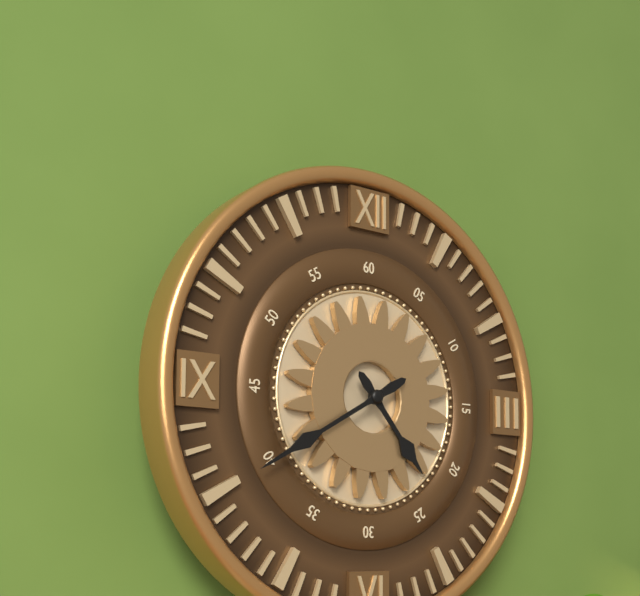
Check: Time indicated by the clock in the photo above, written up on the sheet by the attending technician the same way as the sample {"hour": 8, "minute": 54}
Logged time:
{"hour": 4, "minute": 40}
